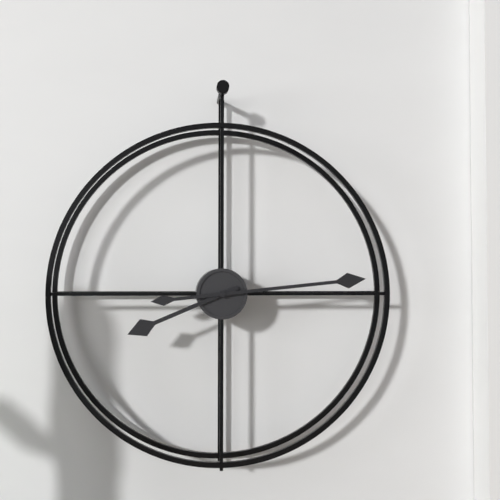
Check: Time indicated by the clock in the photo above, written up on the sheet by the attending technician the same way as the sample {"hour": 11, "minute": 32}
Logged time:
{"hour": 8, "minute": 14}
